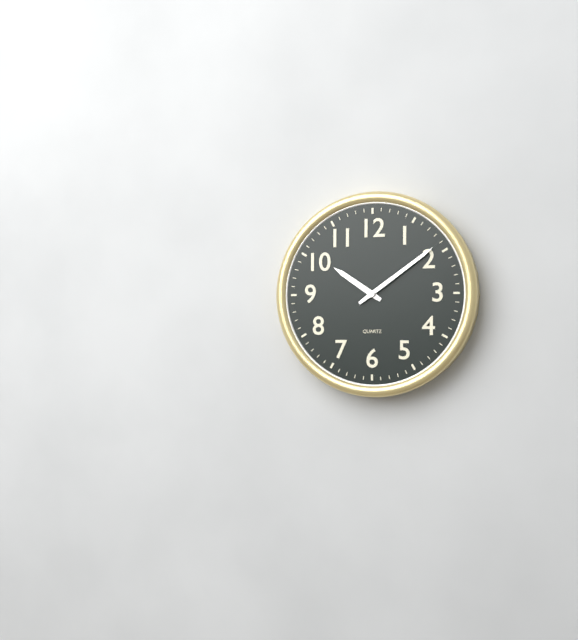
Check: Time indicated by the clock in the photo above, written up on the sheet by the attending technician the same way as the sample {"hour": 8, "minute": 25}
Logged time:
{"hour": 10, "minute": 9}
